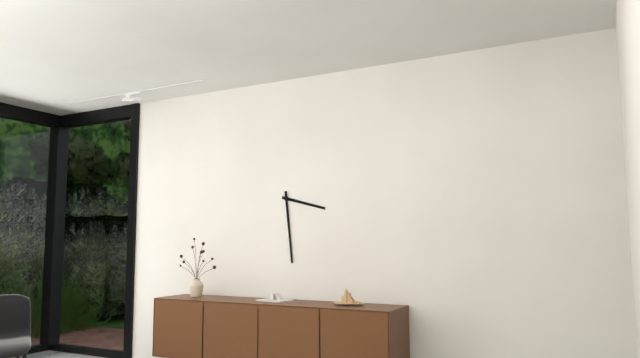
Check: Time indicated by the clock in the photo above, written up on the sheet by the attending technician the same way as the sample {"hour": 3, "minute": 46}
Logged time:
{"hour": 3, "minute": 29}
